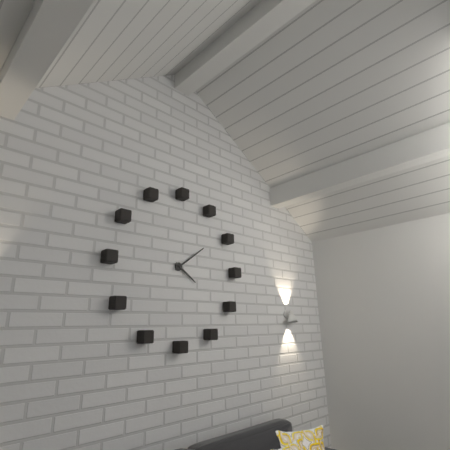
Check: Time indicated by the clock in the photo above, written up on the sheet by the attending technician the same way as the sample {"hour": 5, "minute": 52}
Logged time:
{"hour": 4, "minute": 9}
